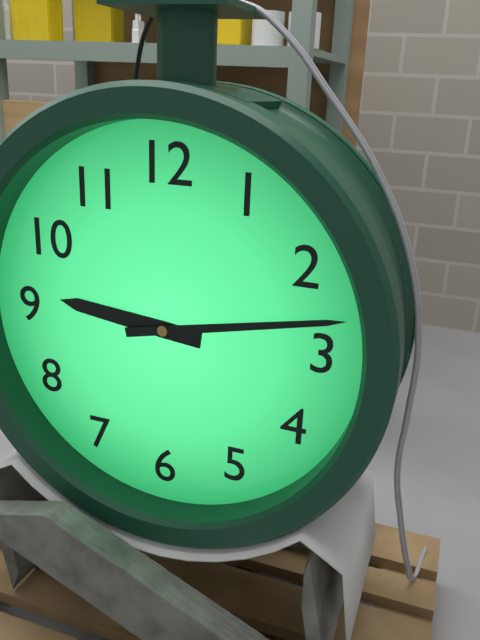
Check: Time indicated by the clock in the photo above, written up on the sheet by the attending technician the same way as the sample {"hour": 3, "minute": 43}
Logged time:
{"hour": 9, "minute": 13}
